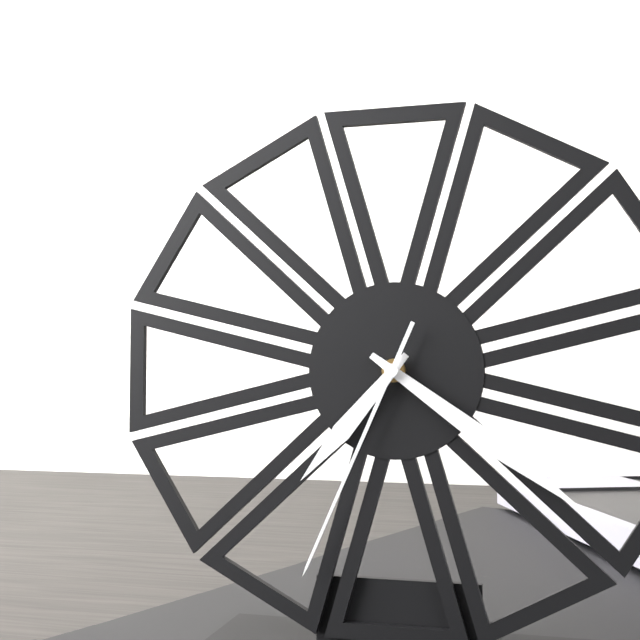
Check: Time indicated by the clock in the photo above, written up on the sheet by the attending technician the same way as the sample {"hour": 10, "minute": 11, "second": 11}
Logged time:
{"hour": 7, "minute": 21, "second": 34}
